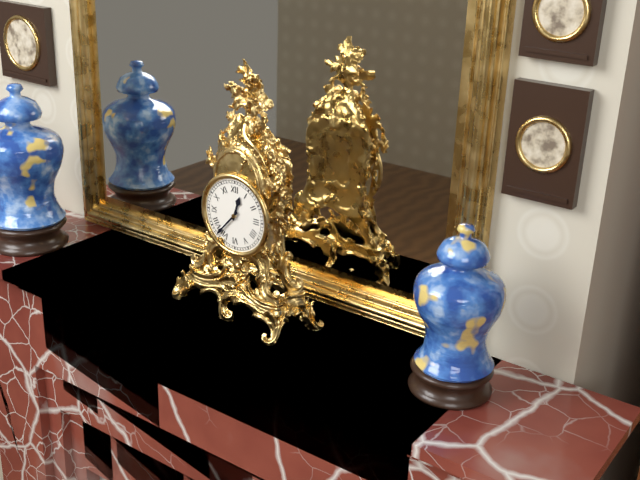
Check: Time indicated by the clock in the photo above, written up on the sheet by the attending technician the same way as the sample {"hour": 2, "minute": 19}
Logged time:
{"hour": 12, "minute": 37}
